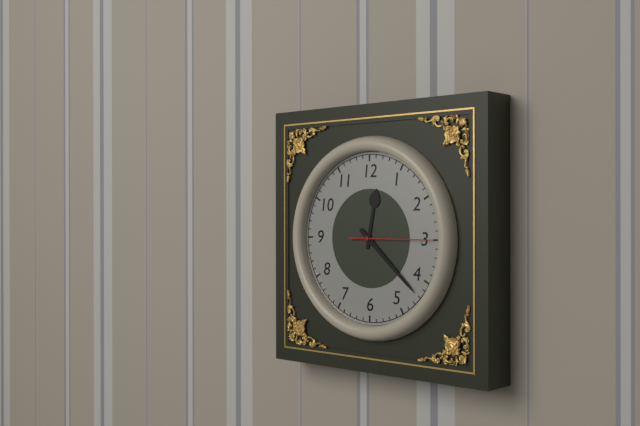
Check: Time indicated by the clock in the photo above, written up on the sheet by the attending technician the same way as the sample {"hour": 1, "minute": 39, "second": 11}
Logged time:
{"hour": 12, "minute": 22, "second": 15}
